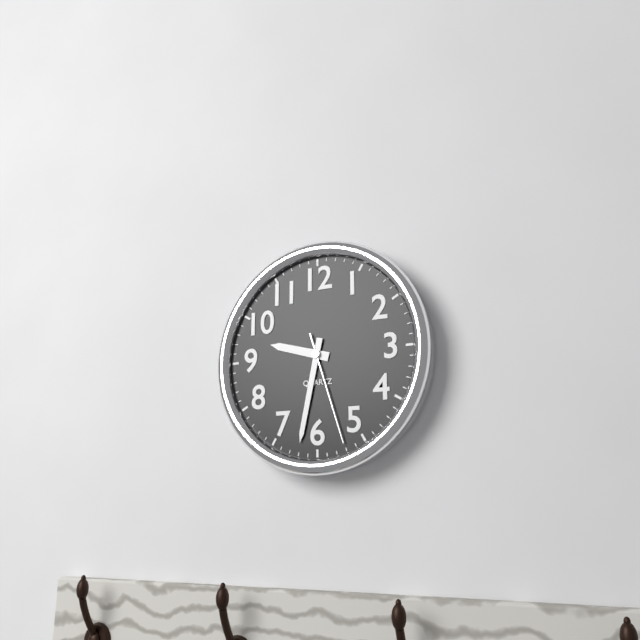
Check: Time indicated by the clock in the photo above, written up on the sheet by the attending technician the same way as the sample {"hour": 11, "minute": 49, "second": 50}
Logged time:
{"hour": 9, "minute": 32, "second": 27}
